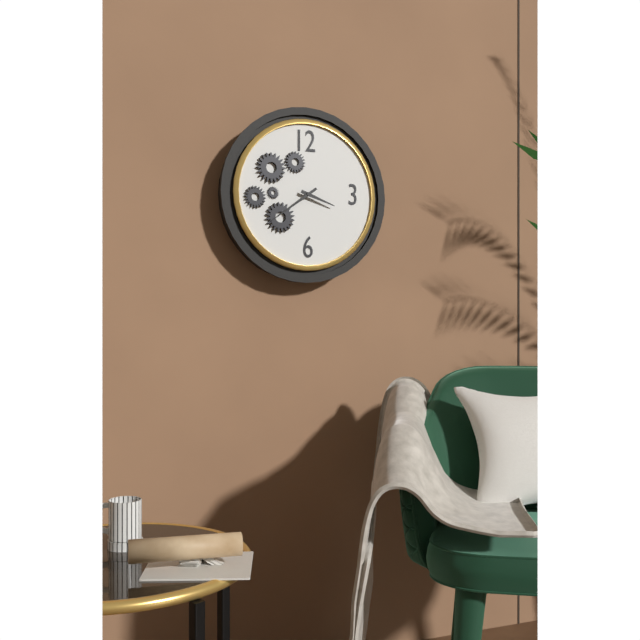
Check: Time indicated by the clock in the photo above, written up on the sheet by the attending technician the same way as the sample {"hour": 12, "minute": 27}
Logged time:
{"hour": 3, "minute": 39}
